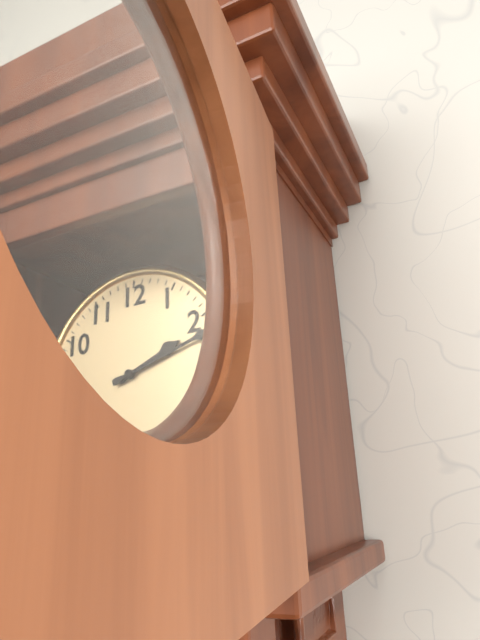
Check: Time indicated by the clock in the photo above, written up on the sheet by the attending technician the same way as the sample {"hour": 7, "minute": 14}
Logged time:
{"hour": 2, "minute": 12}
